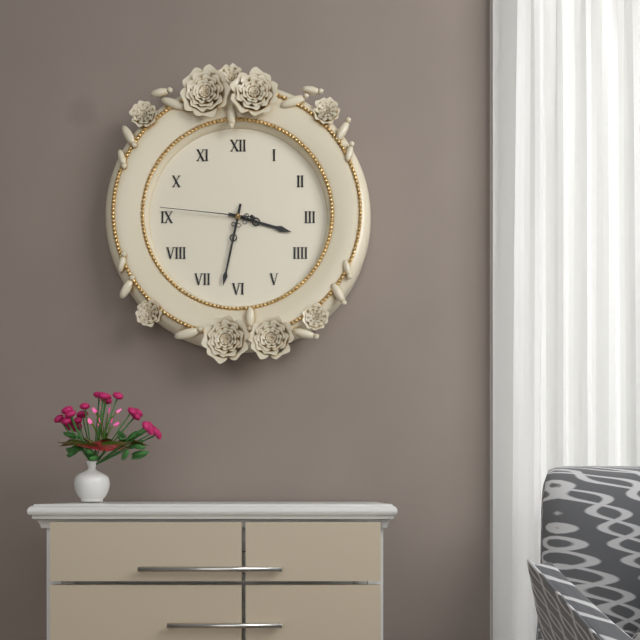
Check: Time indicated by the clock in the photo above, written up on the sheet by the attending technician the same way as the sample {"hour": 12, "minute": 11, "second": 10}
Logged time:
{"hour": 3, "minute": 32, "second": 46}
